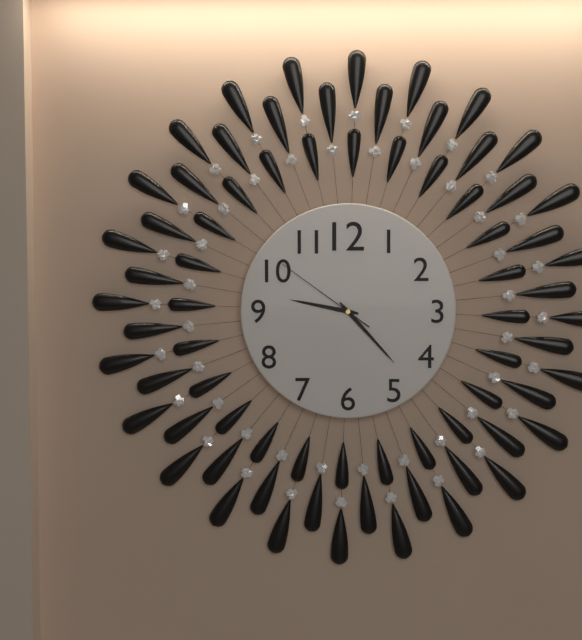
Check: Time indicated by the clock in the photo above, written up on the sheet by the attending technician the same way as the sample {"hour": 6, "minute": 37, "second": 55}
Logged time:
{"hour": 9, "minute": 23, "second": 51}
